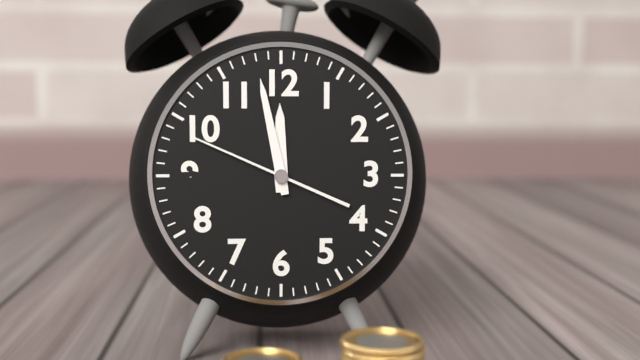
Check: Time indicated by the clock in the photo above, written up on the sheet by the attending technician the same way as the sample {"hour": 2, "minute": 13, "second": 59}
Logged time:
{"hour": 11, "minute": 58, "second": 49}
